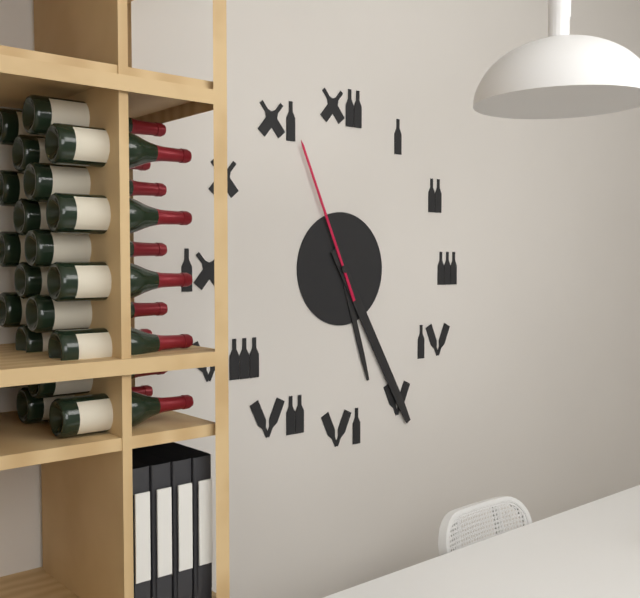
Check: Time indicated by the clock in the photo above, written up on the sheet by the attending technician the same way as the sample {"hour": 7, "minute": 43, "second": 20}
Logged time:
{"hour": 5, "minute": 25, "second": 56}
